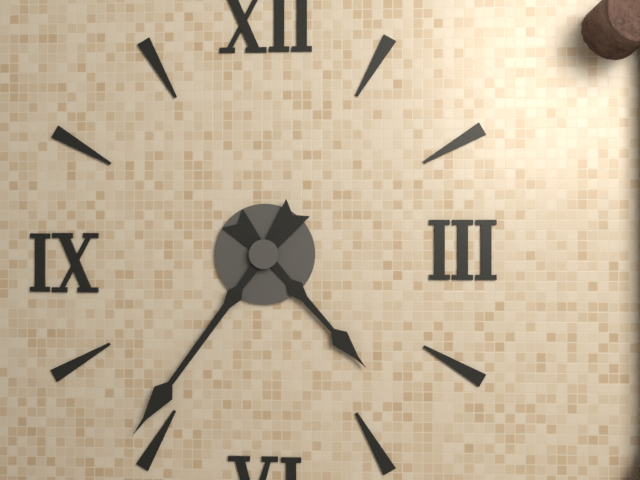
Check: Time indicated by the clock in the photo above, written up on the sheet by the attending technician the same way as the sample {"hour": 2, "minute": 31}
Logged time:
{"hour": 4, "minute": 36}
